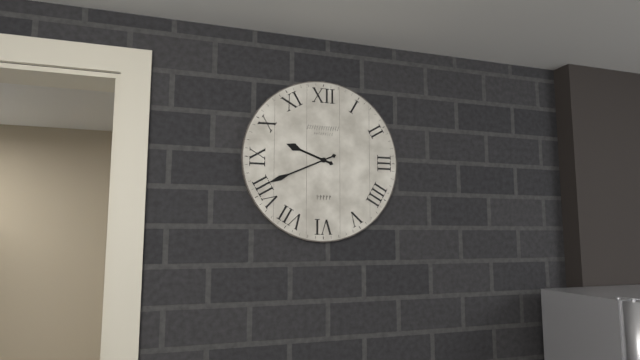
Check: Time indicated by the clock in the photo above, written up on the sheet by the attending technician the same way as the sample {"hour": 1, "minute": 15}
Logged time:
{"hour": 9, "minute": 41}
